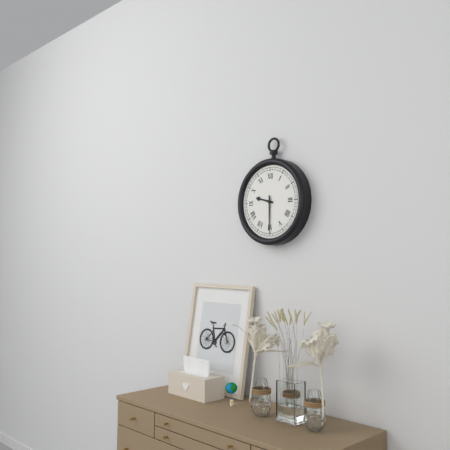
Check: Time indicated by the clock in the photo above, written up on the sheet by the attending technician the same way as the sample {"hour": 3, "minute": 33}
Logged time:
{"hour": 9, "minute": 30}
